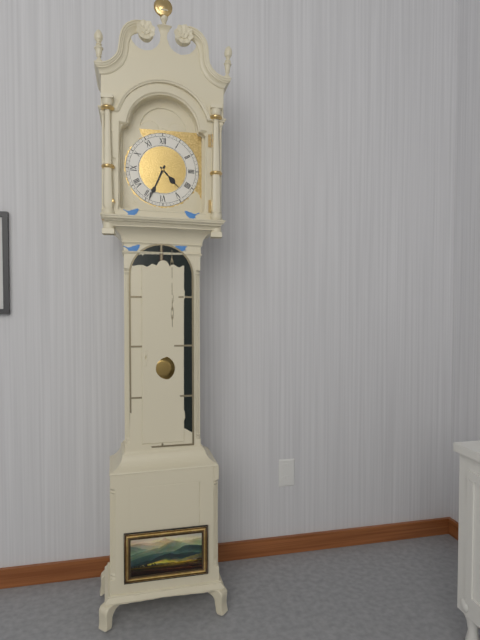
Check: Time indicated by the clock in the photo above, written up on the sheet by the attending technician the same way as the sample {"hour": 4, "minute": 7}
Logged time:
{"hour": 4, "minute": 34}
